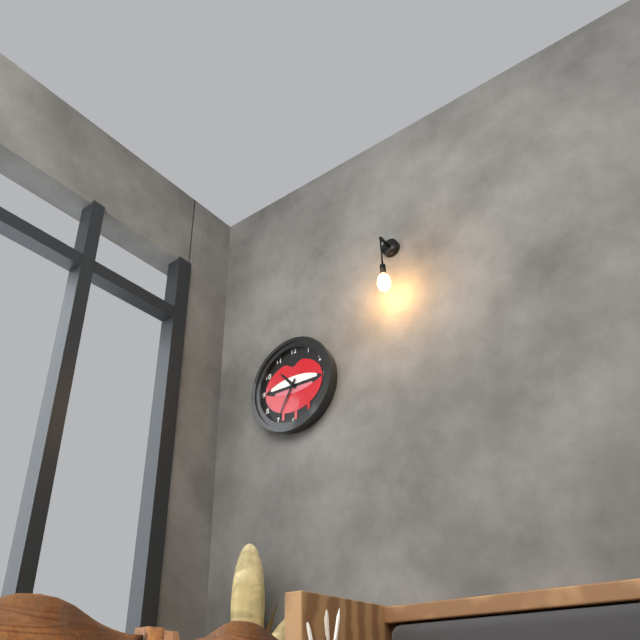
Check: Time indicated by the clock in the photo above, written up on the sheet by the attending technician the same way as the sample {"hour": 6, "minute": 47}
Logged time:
{"hour": 10, "minute": 35}
